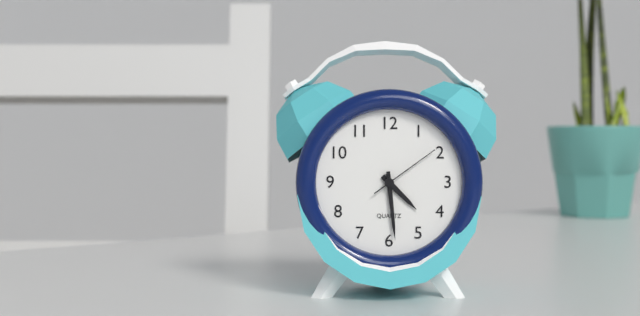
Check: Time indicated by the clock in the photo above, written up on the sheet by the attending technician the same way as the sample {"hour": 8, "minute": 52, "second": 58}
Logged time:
{"hour": 4, "minute": 29, "second": 9}
